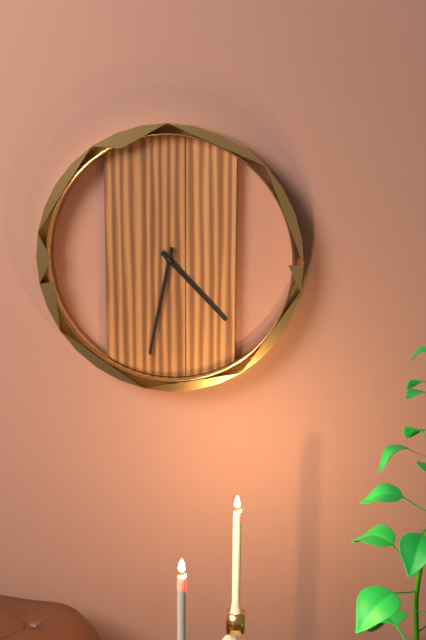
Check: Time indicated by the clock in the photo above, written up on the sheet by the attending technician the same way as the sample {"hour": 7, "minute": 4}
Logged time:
{"hour": 4, "minute": 32}
